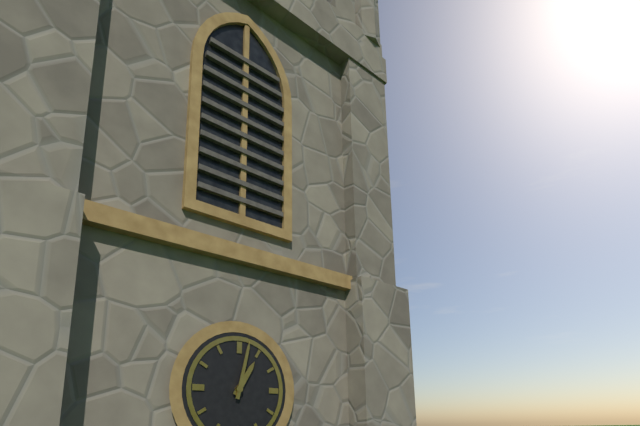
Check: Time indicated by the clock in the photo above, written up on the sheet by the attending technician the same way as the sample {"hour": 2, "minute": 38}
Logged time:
{"hour": 1, "minute": 2}
